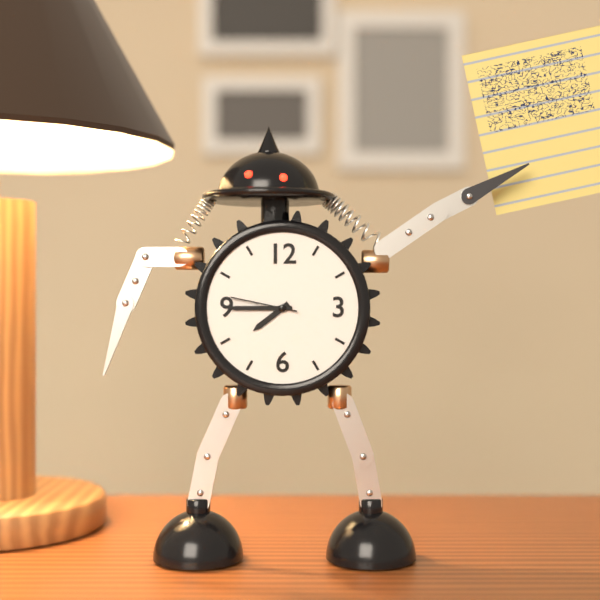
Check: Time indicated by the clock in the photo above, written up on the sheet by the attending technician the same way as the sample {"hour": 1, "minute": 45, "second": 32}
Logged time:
{"hour": 7, "minute": 45, "second": 47}
